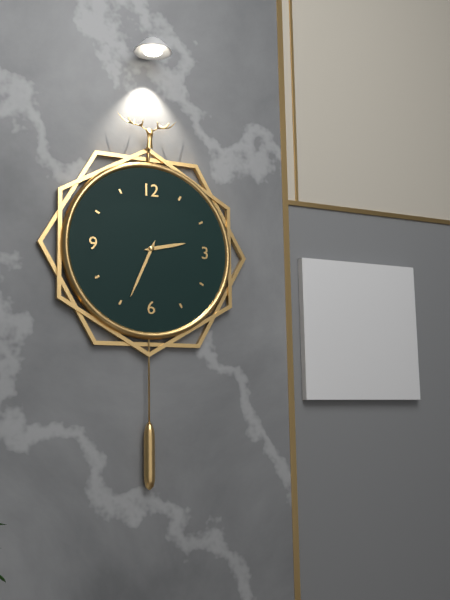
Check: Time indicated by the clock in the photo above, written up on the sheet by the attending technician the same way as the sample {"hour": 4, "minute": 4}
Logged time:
{"hour": 2, "minute": 34}
